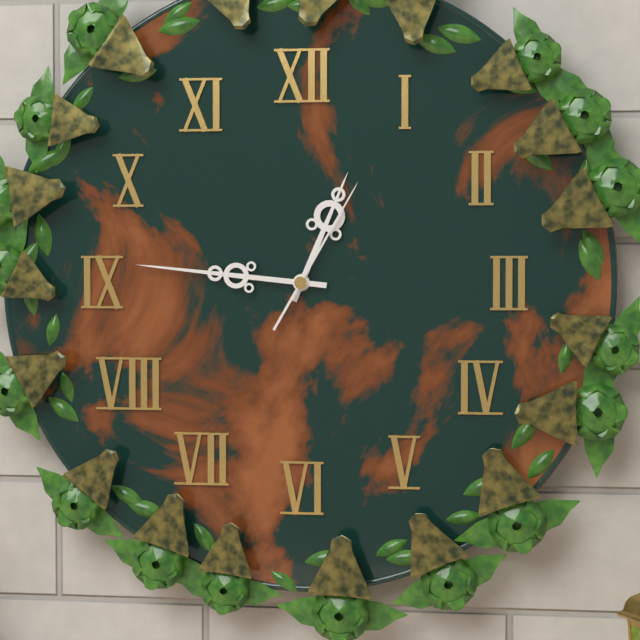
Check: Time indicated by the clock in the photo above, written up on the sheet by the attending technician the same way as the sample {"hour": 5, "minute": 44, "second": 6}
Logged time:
{"hour": 12, "minute": 46, "second": 5}
